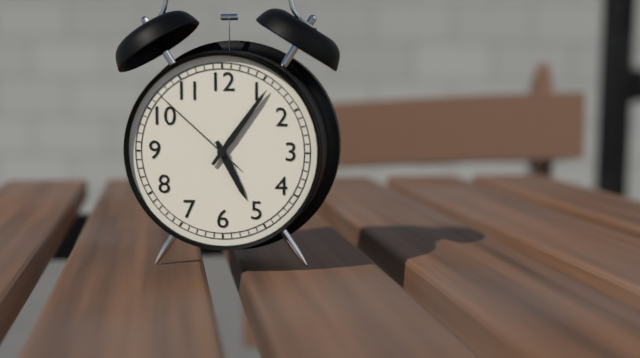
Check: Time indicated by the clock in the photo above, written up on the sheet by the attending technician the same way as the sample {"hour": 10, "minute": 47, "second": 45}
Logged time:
{"hour": 5, "minute": 6, "second": 52}
